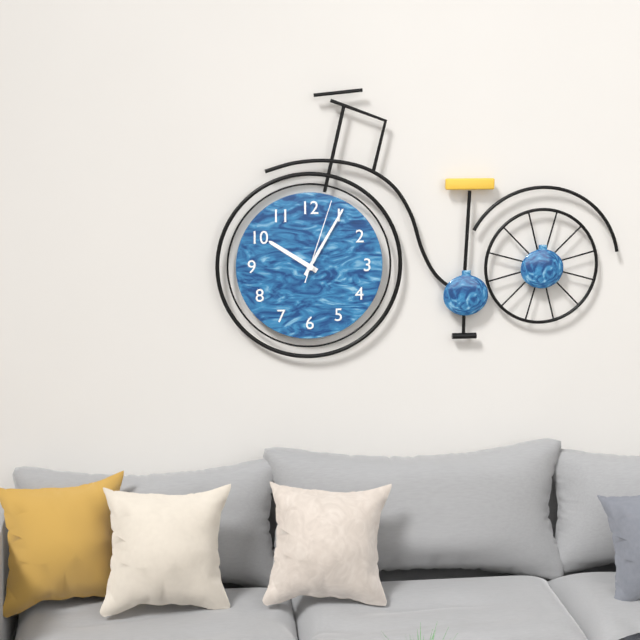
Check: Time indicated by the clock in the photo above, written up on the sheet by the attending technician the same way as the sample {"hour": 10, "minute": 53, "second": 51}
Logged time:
{"hour": 10, "minute": 5, "second": 3}
